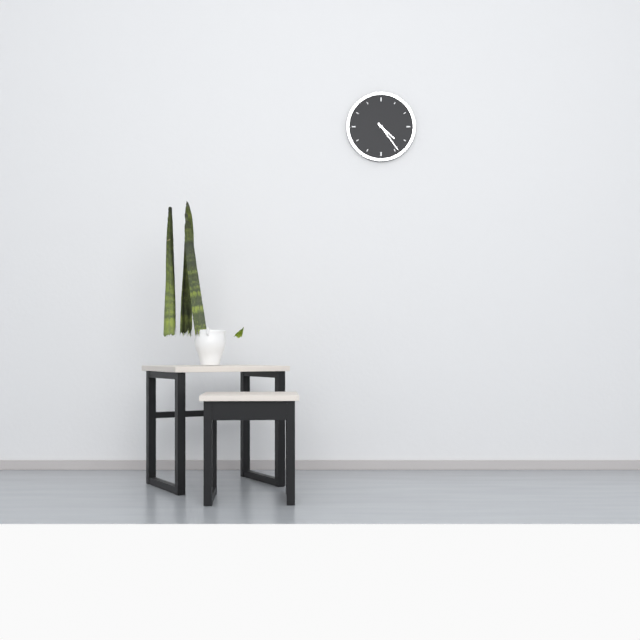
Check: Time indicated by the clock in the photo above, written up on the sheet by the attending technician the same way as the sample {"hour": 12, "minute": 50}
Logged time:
{"hour": 4, "minute": 24}
